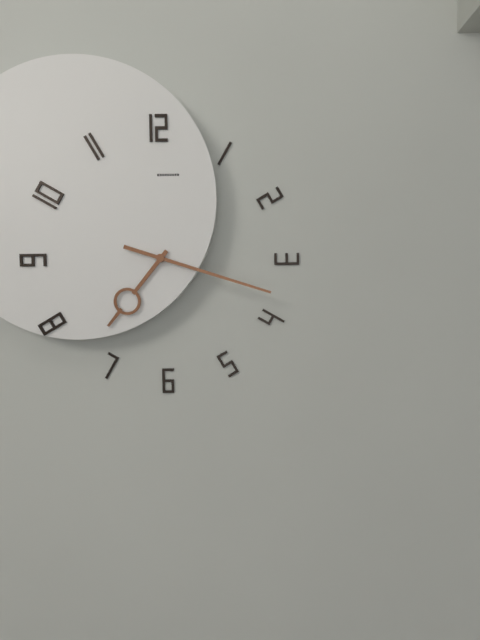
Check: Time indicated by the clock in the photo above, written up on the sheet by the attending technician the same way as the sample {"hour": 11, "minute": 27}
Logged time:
{"hour": 7, "minute": 18}
